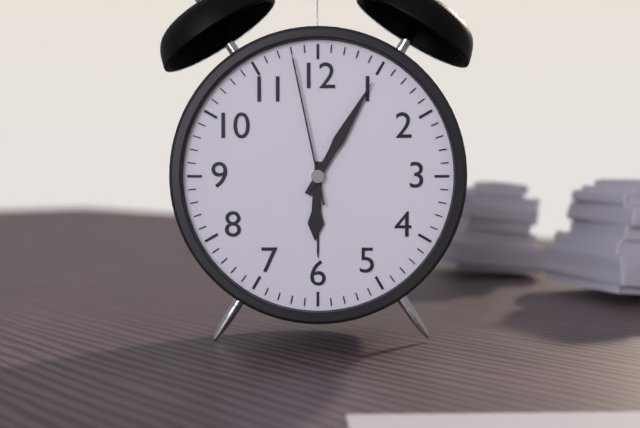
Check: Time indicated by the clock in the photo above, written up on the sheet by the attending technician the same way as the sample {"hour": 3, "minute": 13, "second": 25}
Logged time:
{"hour": 6, "minute": 5, "second": 58}
